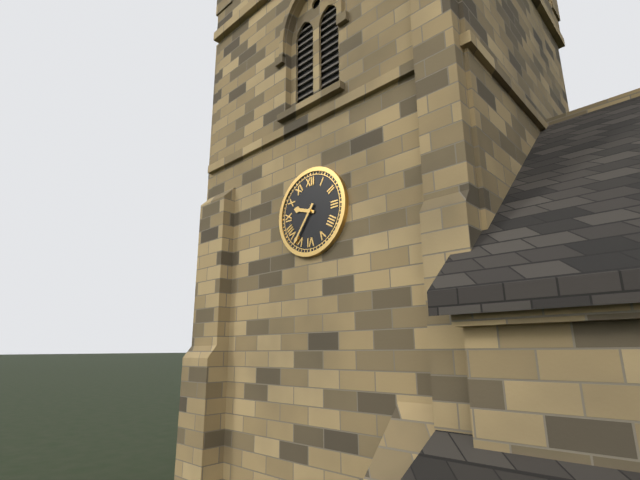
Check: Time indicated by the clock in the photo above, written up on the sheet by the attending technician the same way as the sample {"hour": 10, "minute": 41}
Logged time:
{"hour": 9, "minute": 36}
